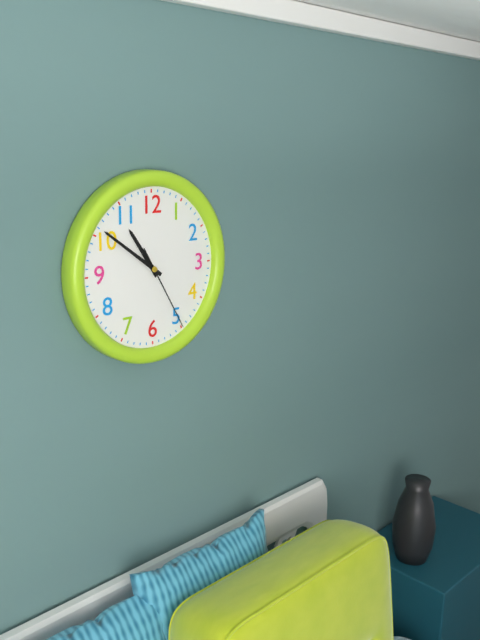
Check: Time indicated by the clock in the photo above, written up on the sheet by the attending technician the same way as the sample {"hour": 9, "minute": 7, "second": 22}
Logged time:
{"hour": 10, "minute": 51, "second": 25}
